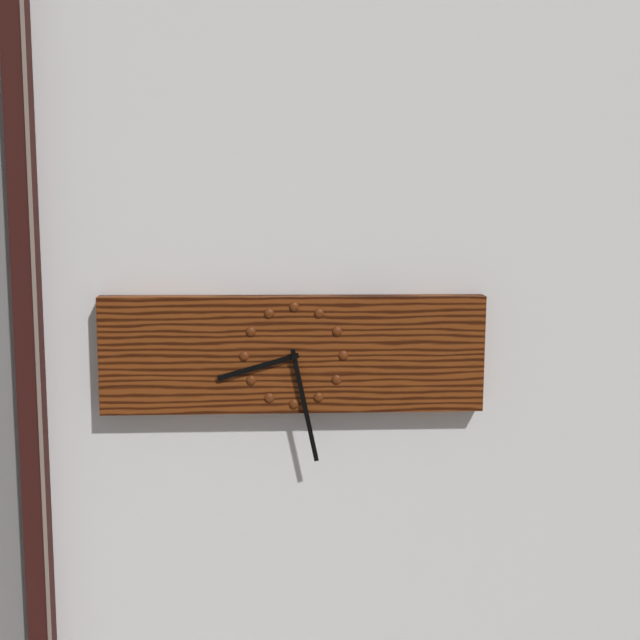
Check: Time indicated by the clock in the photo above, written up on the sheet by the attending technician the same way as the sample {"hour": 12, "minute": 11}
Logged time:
{"hour": 8, "minute": 28}
